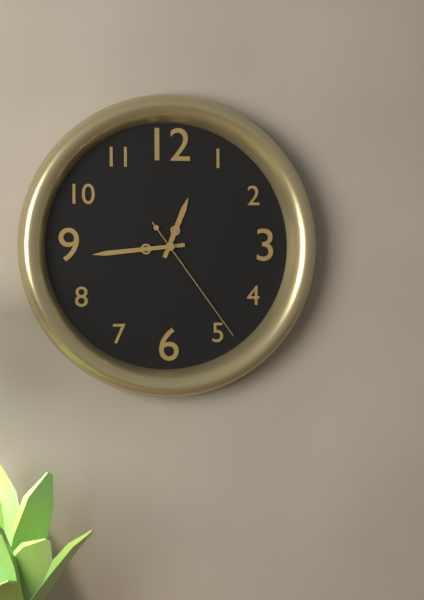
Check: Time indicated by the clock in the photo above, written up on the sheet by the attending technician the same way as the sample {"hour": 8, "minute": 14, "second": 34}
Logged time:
{"hour": 12, "minute": 44, "second": 24}
